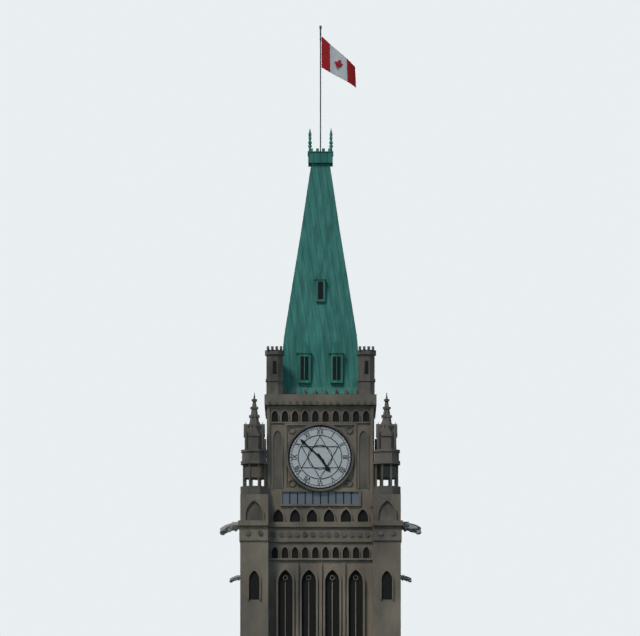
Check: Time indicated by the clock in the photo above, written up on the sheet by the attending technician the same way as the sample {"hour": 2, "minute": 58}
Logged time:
{"hour": 4, "minute": 52}
